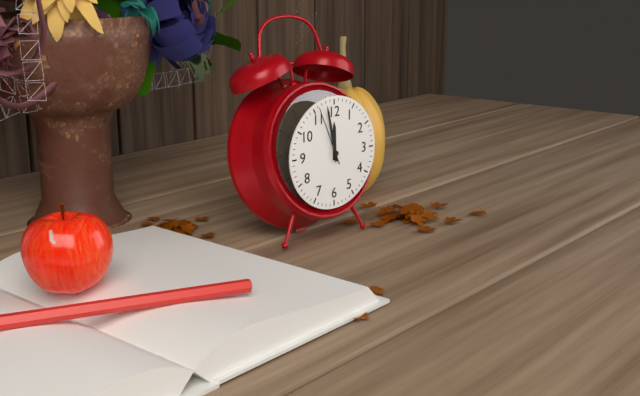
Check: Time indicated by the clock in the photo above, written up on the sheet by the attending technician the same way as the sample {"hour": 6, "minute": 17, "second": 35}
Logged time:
{"hour": 11, "minute": 58, "second": 56}
